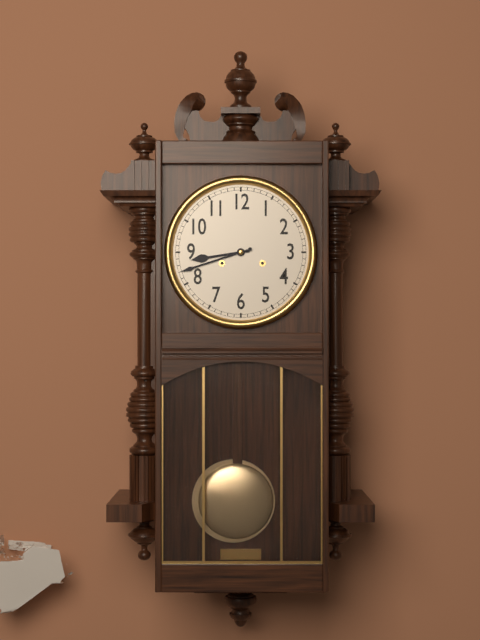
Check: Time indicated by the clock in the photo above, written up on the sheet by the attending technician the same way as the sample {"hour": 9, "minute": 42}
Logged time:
{"hour": 8, "minute": 42}
